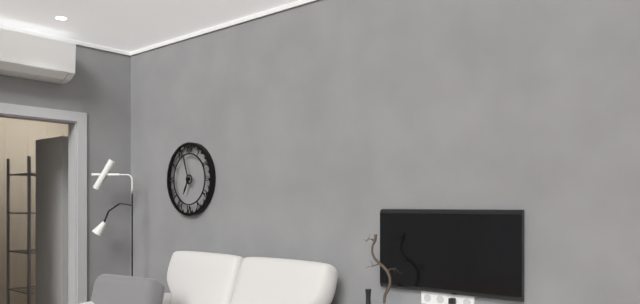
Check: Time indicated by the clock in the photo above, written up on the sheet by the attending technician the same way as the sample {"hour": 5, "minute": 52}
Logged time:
{"hour": 6, "minute": 57}
